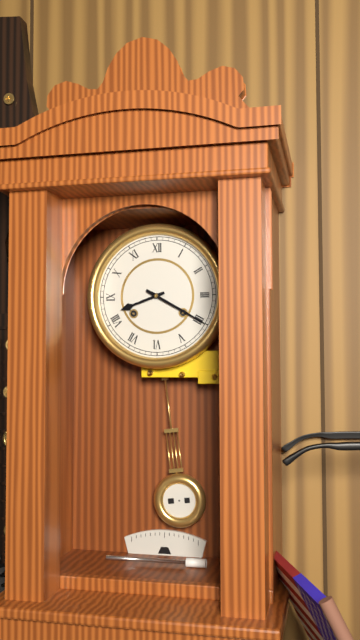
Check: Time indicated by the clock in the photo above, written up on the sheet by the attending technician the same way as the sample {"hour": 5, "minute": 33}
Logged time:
{"hour": 8, "minute": 20}
